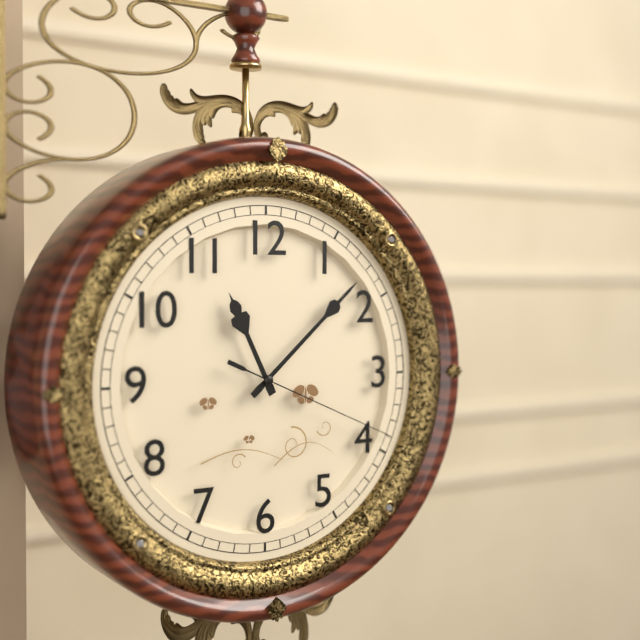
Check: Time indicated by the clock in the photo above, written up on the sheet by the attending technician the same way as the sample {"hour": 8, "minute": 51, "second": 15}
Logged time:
{"hour": 11, "minute": 8, "second": 19}
